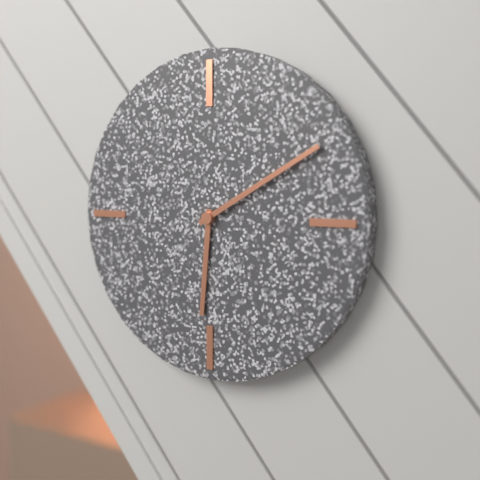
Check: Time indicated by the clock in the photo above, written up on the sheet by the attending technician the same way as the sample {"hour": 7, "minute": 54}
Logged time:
{"hour": 6, "minute": 10}
